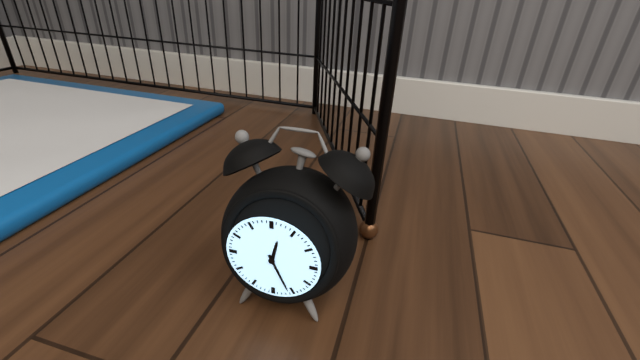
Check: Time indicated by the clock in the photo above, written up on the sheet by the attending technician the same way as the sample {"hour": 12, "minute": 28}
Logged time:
{"hour": 12, "minute": 26}
